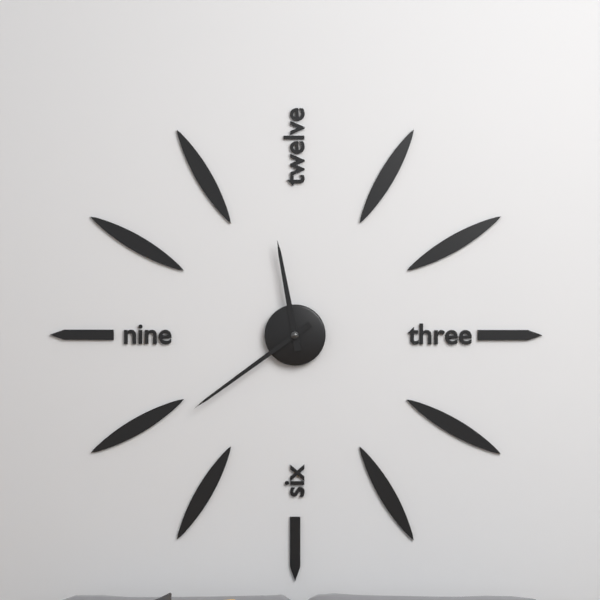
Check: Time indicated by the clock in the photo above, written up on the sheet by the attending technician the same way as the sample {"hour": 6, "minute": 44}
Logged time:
{"hour": 11, "minute": 39}
